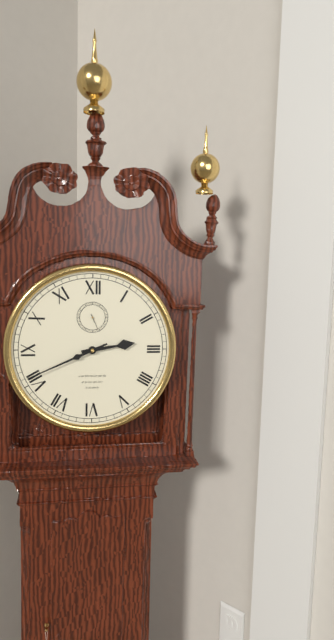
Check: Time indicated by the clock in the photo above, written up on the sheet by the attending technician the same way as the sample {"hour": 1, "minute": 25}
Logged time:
{"hour": 2, "minute": 41}
